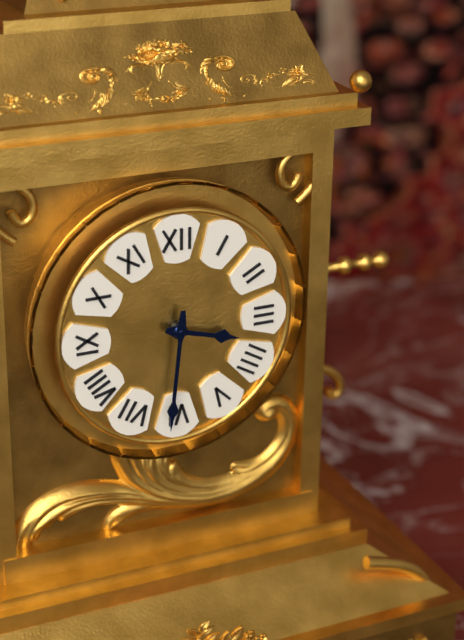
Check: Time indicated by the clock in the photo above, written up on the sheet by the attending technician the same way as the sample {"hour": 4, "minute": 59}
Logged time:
{"hour": 3, "minute": 31}
